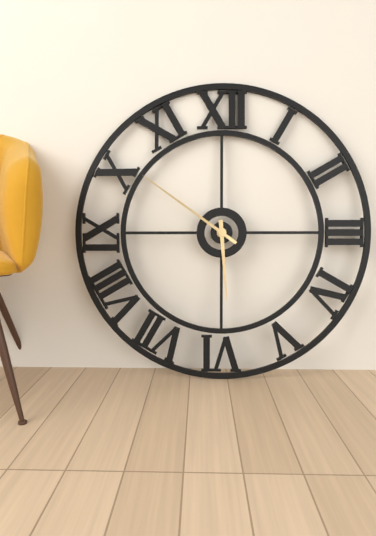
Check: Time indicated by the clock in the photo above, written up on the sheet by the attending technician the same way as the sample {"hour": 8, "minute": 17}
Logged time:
{"hour": 5, "minute": 51}
